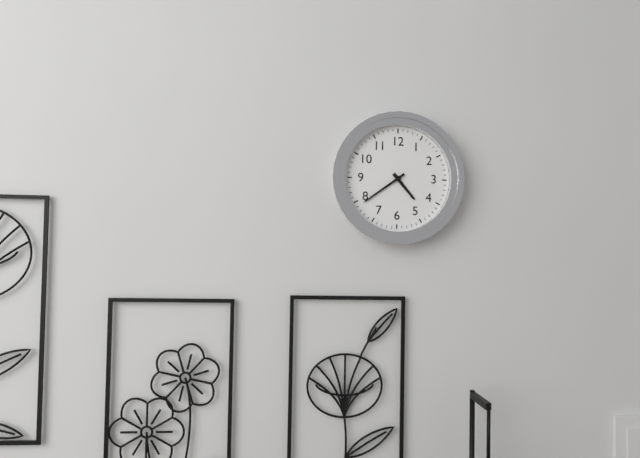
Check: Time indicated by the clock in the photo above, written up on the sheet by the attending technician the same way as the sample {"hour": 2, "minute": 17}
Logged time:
{"hour": 4, "minute": 39}
